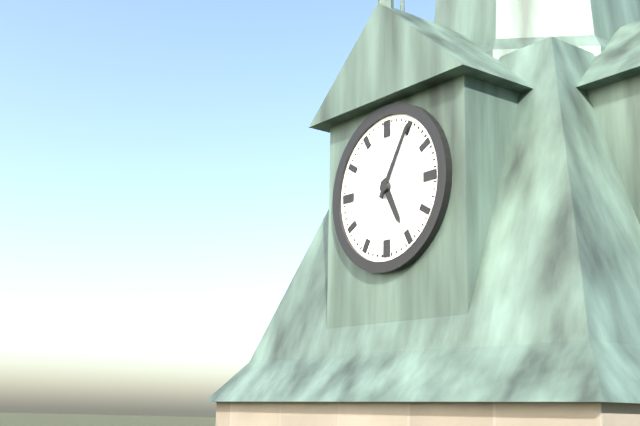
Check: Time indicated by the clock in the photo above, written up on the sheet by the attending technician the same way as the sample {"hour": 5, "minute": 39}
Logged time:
{"hour": 5, "minute": 5}
